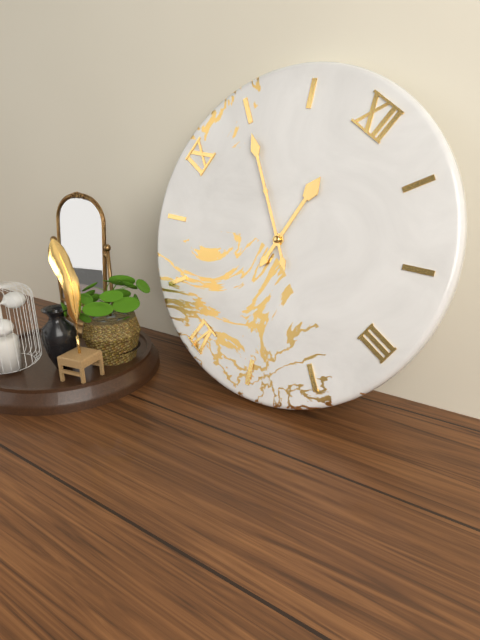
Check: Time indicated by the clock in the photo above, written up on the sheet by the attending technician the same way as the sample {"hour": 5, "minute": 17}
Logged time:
{"hour": 11, "minute": 50}
